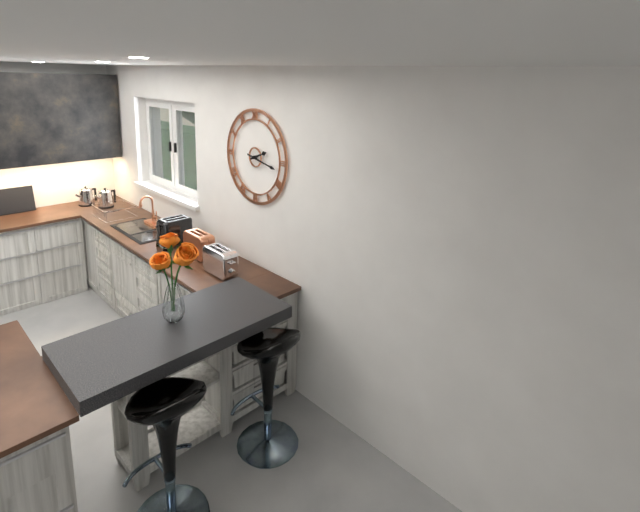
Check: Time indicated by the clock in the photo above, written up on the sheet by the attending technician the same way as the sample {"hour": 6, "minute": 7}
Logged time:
{"hour": 2, "minute": 17}
